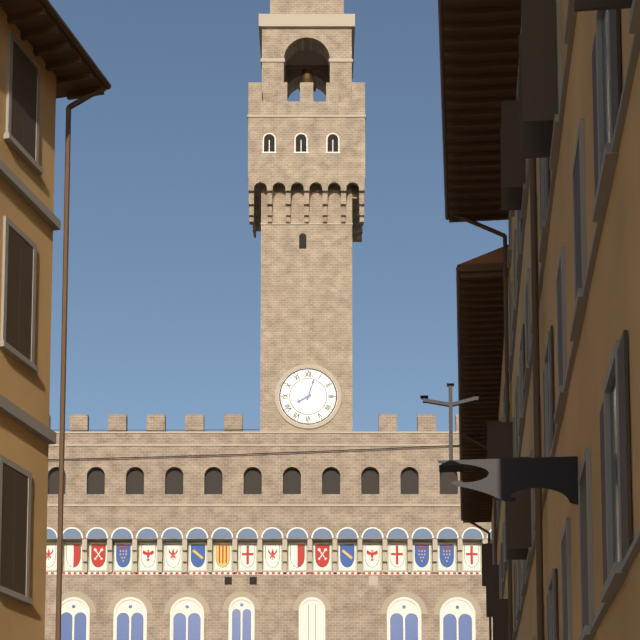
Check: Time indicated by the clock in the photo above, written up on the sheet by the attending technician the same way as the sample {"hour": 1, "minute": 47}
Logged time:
{"hour": 8, "minute": 3}
